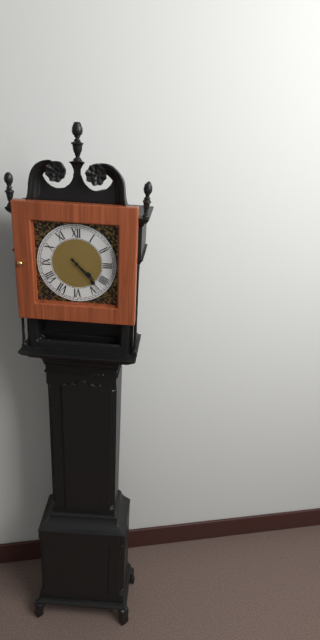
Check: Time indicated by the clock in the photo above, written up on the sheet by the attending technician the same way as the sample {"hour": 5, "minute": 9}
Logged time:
{"hour": 4, "minute": 23}
